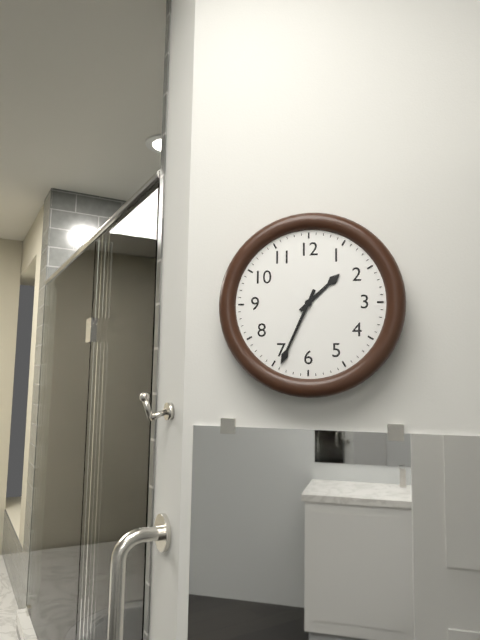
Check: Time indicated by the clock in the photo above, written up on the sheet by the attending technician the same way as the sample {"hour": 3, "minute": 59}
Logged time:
{"hour": 1, "minute": 34}
